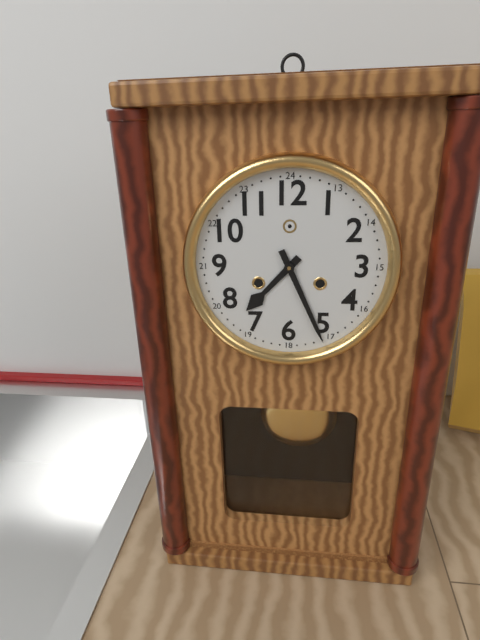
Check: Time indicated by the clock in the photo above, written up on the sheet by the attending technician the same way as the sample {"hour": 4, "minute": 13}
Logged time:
{"hour": 7, "minute": 26}
